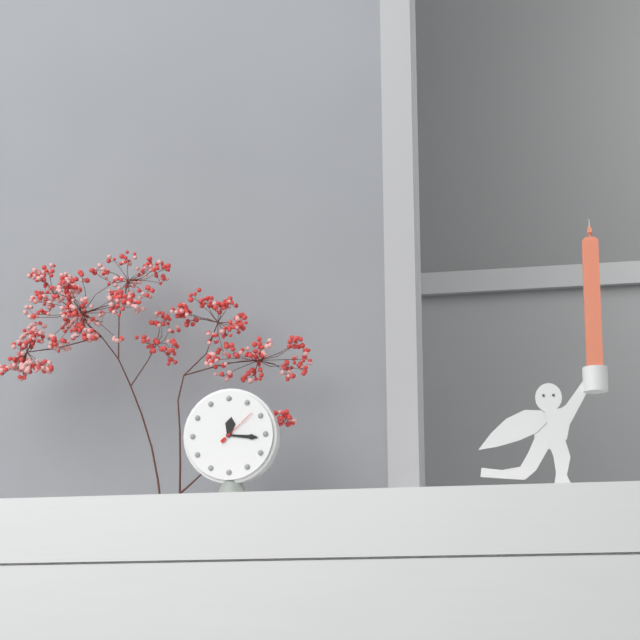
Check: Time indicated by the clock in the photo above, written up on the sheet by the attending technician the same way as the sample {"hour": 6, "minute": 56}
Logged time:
{"hour": 12, "minute": 16}
